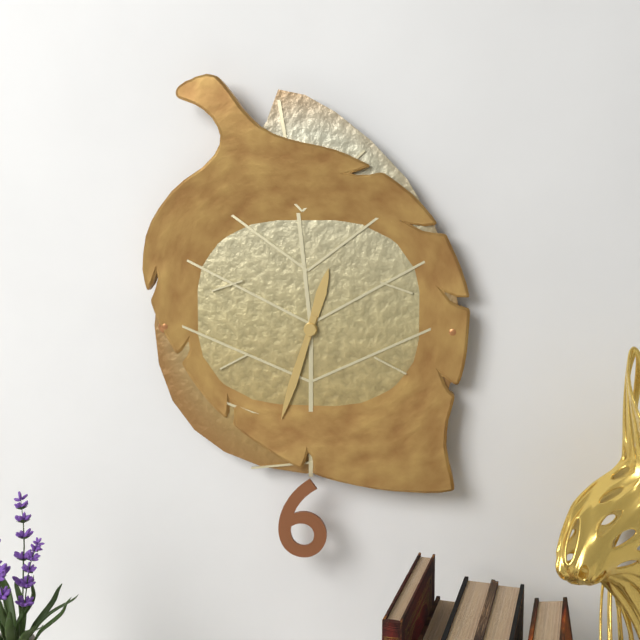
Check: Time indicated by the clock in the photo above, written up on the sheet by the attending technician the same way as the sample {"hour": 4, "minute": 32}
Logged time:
{"hour": 12, "minute": 33}
